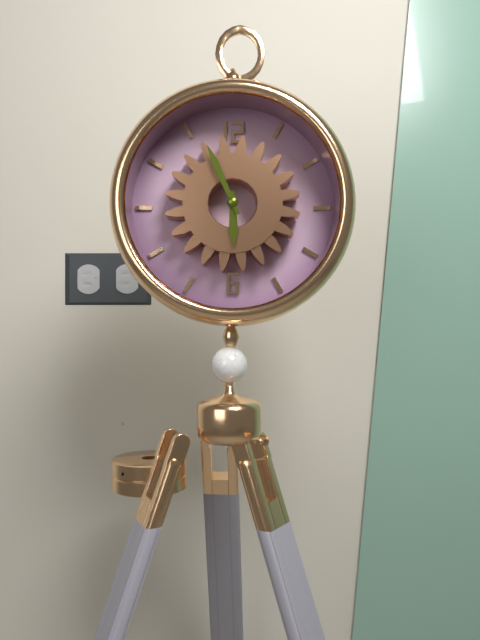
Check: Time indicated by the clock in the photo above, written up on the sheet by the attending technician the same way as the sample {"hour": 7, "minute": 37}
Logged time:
{"hour": 5, "minute": 56}
